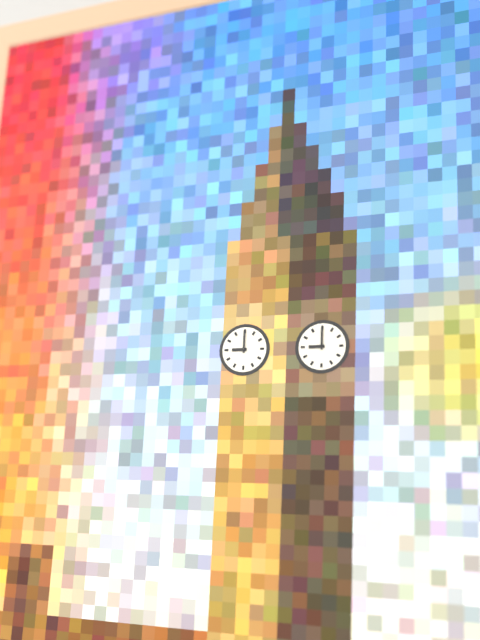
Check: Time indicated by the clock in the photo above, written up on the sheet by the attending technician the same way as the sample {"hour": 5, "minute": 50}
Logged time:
{"hour": 9, "minute": 0}
